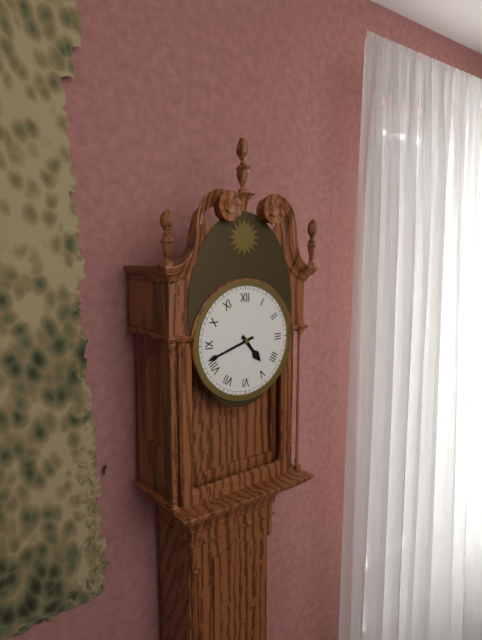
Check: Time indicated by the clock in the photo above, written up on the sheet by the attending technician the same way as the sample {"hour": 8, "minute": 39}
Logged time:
{"hour": 4, "minute": 42}
